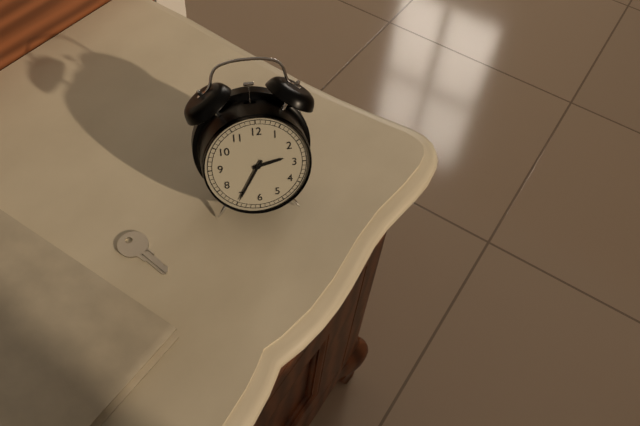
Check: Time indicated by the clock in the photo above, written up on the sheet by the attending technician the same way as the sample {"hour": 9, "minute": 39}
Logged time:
{"hour": 2, "minute": 35}
